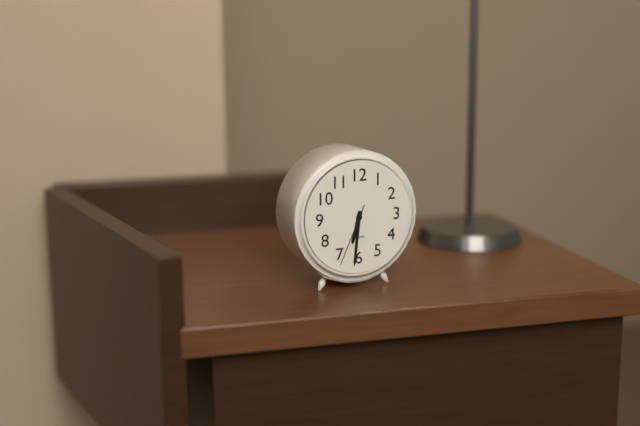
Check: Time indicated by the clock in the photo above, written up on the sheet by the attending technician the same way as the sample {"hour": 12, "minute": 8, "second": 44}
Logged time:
{"hour": 6, "minute": 31, "second": 34}
